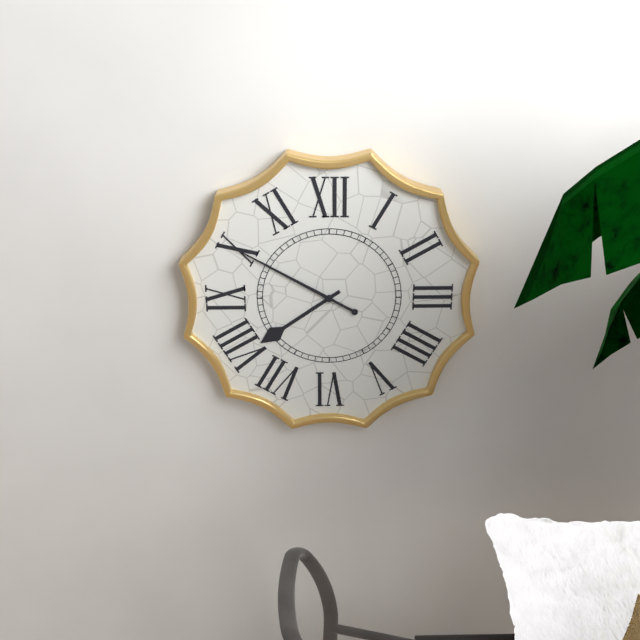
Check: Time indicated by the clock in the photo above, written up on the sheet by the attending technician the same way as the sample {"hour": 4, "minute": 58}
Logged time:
{"hour": 7, "minute": 50}
